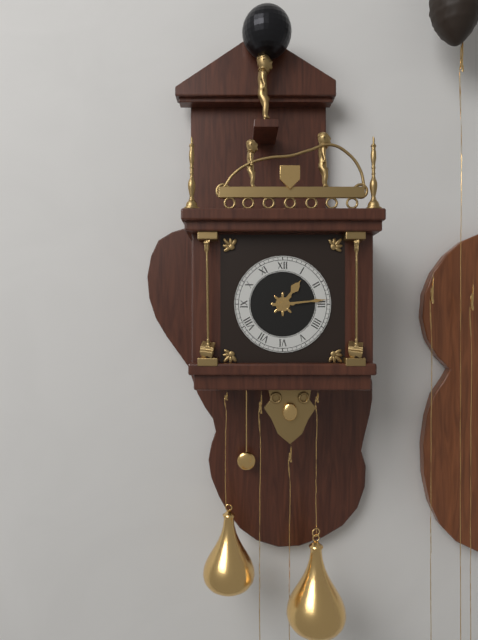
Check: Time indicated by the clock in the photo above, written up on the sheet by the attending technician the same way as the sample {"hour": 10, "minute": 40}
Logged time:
{"hour": 1, "minute": 14}
